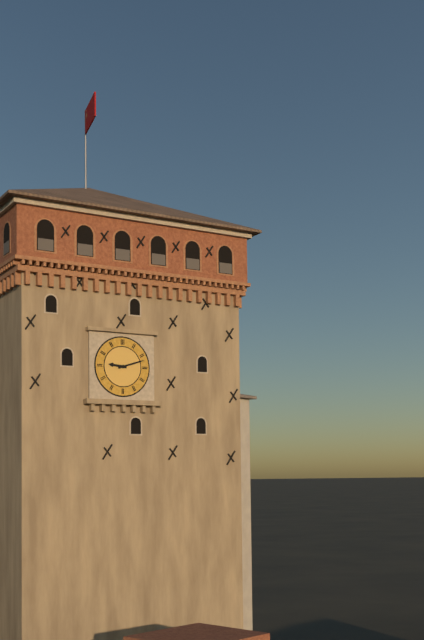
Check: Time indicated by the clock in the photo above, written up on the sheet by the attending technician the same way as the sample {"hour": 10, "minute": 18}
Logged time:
{"hour": 9, "minute": 12}
